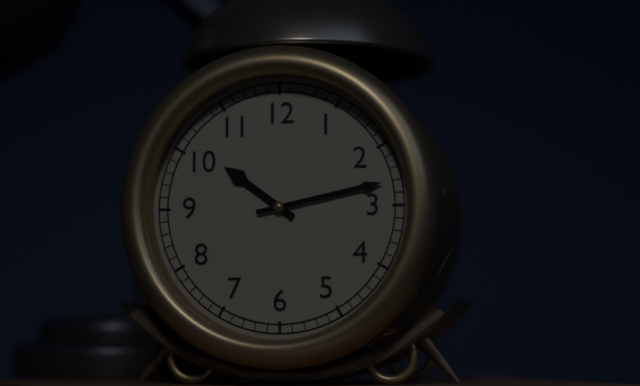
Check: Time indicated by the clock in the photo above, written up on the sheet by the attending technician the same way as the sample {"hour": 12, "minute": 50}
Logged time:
{"hour": 10, "minute": 13}
